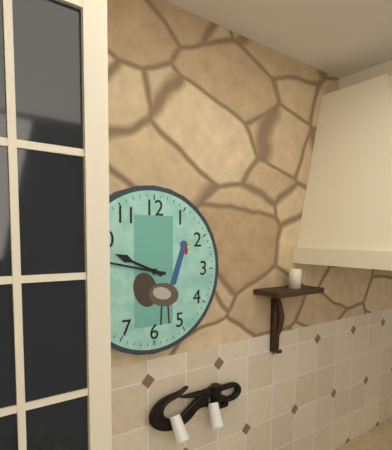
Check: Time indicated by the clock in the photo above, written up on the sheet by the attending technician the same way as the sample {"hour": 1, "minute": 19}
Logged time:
{"hour": 9, "minute": 47}
